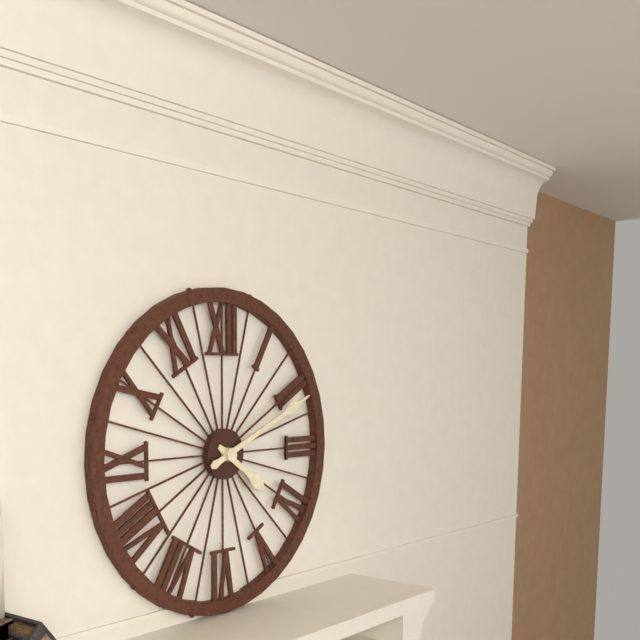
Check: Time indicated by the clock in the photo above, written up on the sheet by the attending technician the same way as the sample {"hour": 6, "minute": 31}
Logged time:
{"hour": 4, "minute": 11}
